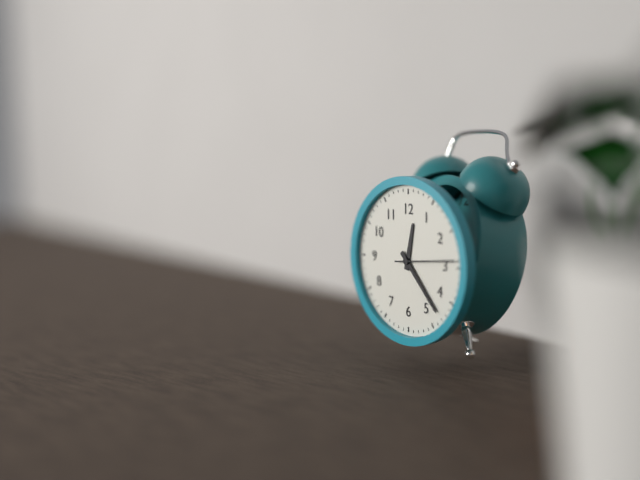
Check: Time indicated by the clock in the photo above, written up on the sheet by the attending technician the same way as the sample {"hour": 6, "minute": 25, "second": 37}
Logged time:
{"hour": 12, "minute": 23, "second": 14}
